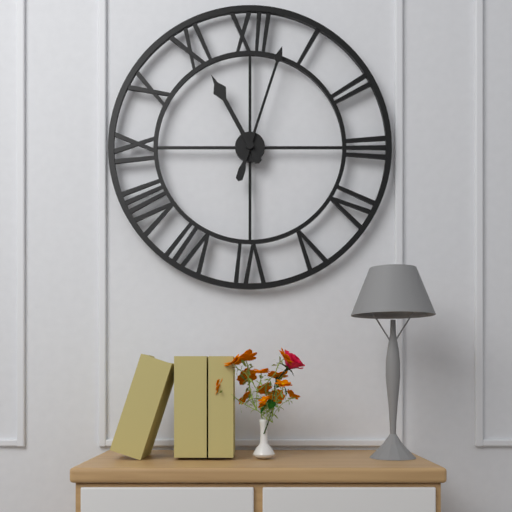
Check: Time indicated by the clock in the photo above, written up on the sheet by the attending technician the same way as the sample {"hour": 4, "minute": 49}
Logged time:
{"hour": 11, "minute": 3}
